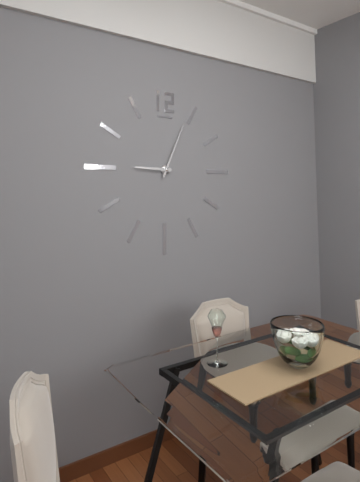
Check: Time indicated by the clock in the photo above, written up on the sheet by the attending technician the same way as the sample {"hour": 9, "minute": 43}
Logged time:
{"hour": 9, "minute": 4}
